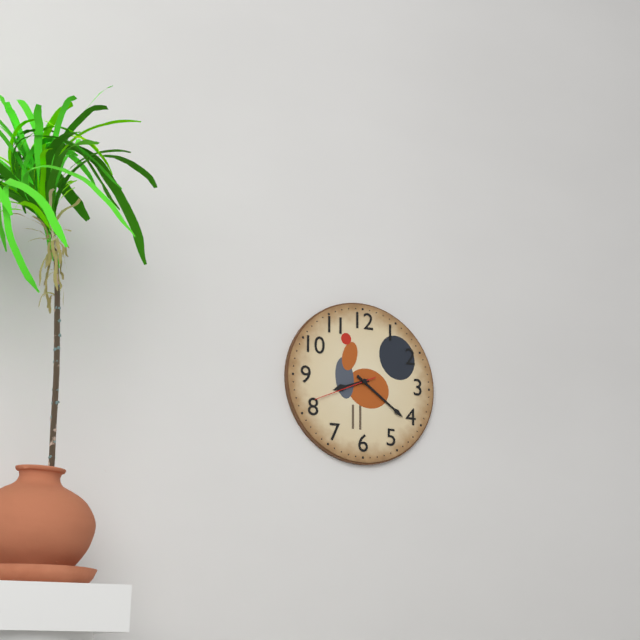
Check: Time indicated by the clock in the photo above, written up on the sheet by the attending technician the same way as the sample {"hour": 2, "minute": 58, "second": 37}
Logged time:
{"hour": 8, "minute": 21, "second": 41}
